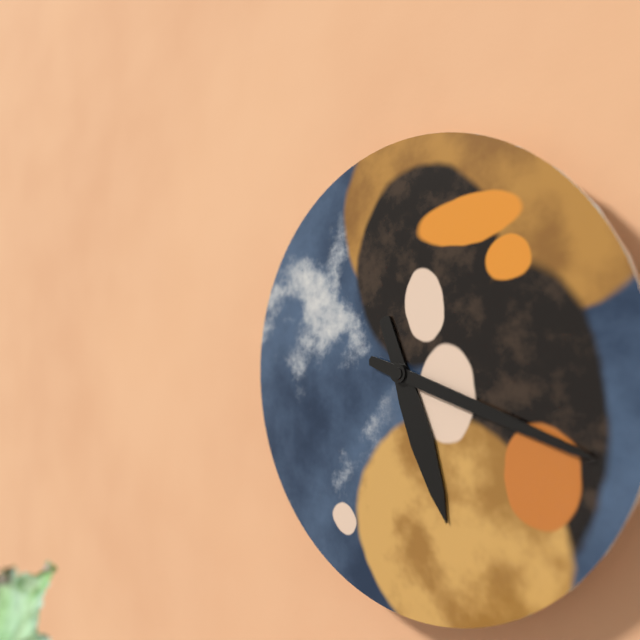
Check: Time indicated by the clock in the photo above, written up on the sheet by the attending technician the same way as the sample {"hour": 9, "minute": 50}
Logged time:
{"hour": 5, "minute": 18}
